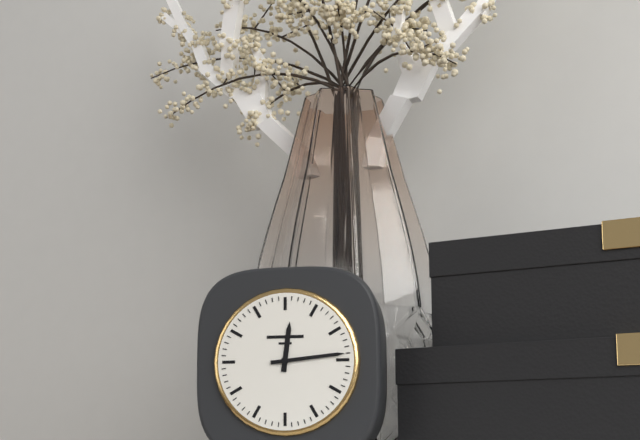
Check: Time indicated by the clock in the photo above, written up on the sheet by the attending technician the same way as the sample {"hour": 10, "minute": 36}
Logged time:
{"hour": 12, "minute": 14}
